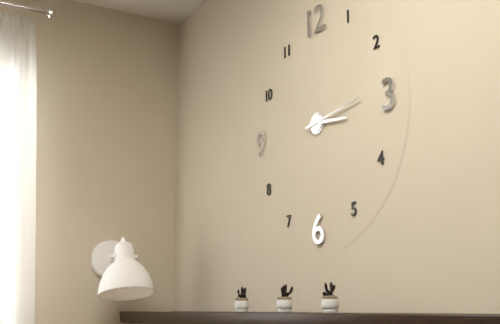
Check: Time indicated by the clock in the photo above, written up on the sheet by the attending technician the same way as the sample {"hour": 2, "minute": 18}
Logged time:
{"hour": 3, "minute": 14}
